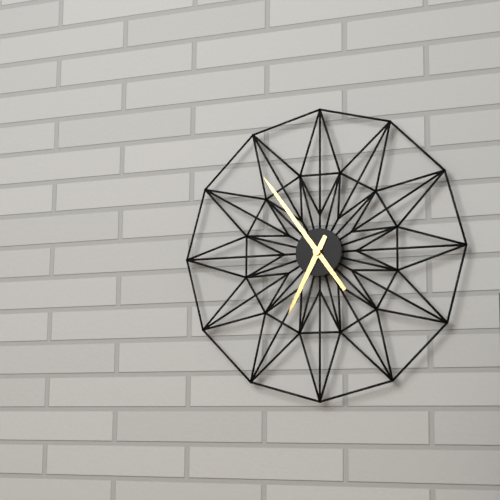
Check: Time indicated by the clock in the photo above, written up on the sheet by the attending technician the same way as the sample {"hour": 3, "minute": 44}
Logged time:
{"hour": 6, "minute": 54}
